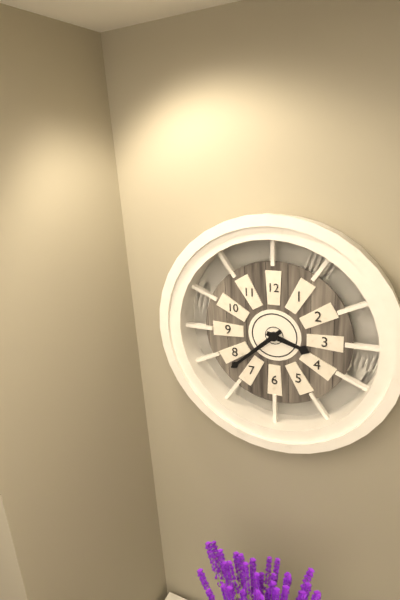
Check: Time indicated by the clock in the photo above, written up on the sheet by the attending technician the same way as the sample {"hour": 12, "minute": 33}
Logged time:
{"hour": 3, "minute": 38}
